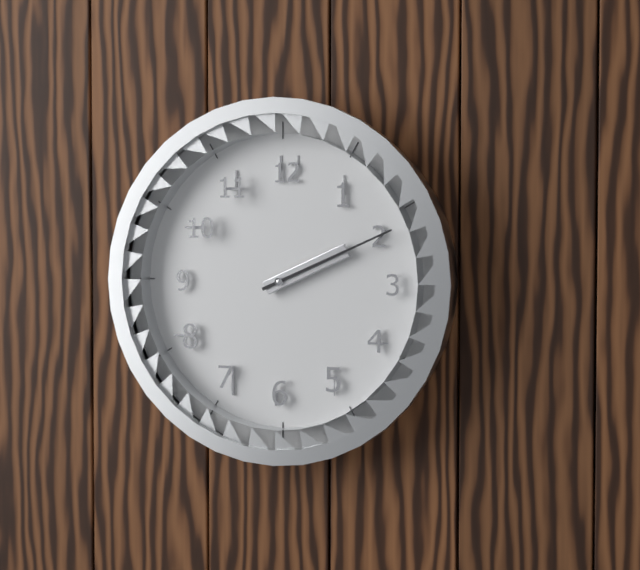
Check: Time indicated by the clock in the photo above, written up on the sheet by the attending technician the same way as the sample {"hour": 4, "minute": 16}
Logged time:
{"hour": 2, "minute": 11}
